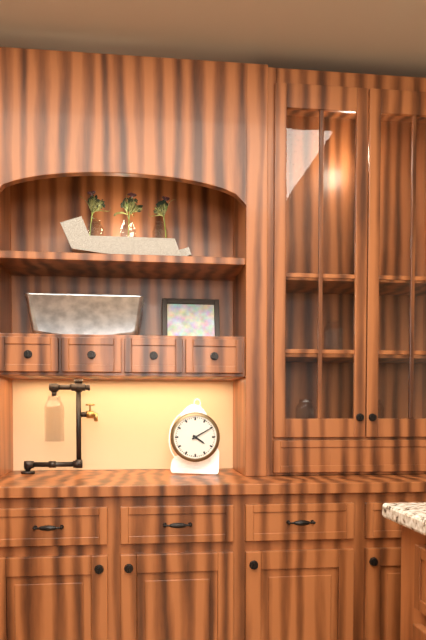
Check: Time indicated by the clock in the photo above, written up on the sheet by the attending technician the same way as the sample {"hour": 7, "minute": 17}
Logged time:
{"hour": 4, "minute": 10}
